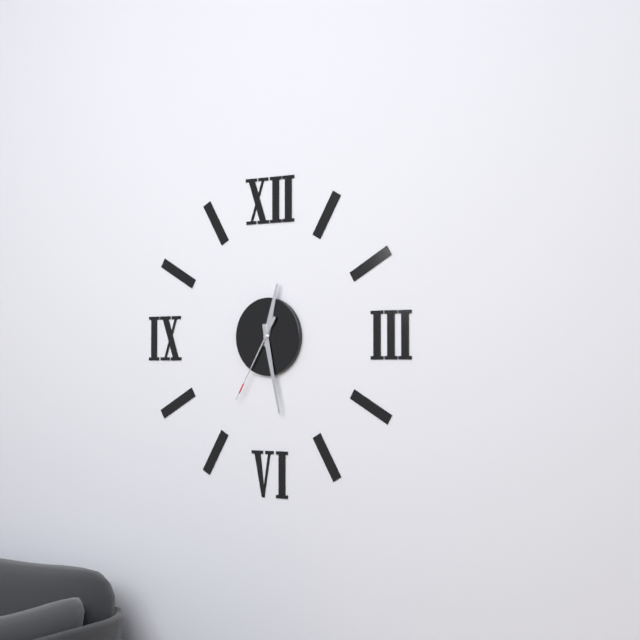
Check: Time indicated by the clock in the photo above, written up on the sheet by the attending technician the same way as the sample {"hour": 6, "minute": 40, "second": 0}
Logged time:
{"hour": 12, "minute": 28, "second": 35}
